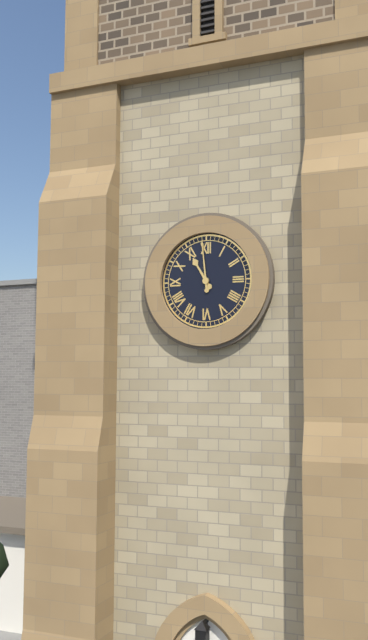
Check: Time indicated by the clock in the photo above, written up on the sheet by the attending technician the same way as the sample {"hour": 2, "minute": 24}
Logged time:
{"hour": 10, "minute": 59}
